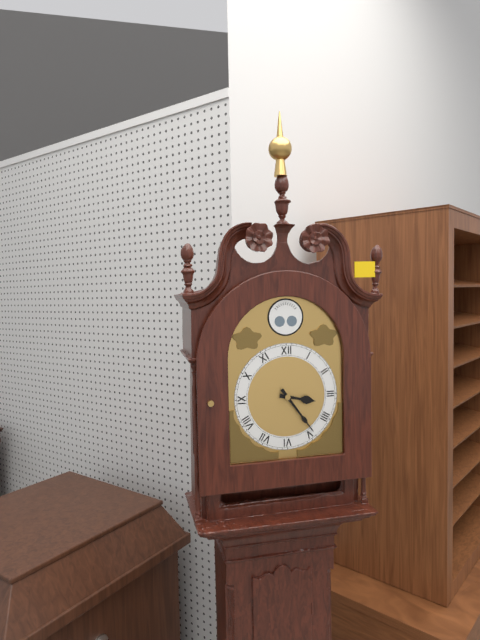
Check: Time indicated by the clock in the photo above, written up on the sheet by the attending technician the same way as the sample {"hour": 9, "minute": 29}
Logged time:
{"hour": 3, "minute": 24}
